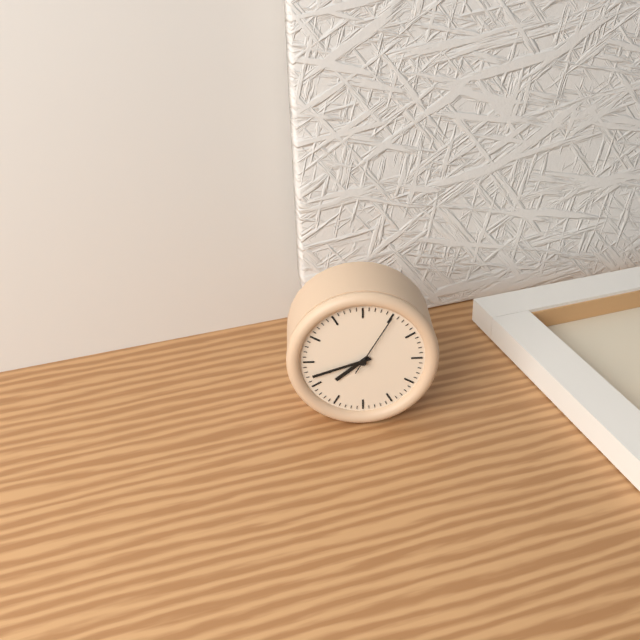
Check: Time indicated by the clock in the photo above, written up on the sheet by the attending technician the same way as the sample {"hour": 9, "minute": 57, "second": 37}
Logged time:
{"hour": 7, "minute": 42, "second": 5}
